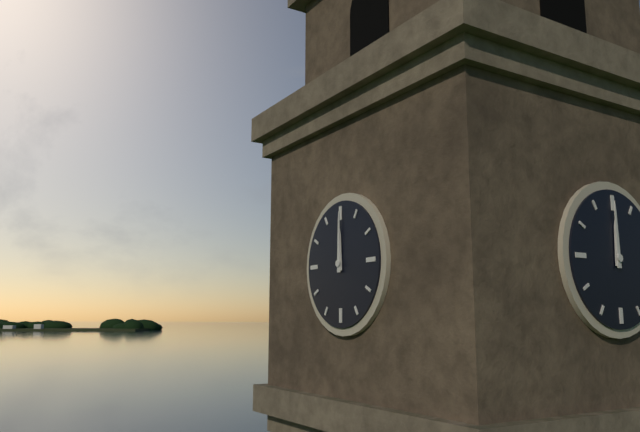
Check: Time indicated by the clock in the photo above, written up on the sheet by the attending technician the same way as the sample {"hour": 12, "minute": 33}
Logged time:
{"hour": 12, "minute": 0}
